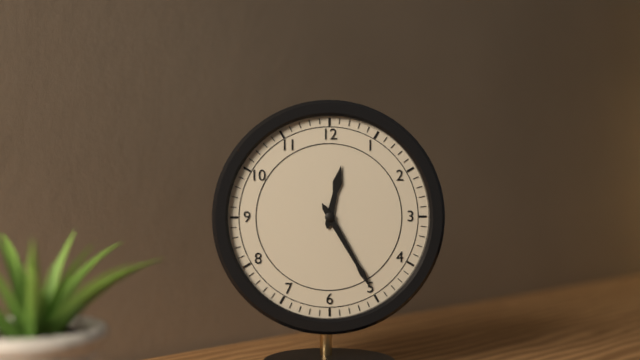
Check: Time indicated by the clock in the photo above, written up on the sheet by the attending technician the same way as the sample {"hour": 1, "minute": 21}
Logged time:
{"hour": 12, "minute": 25}
